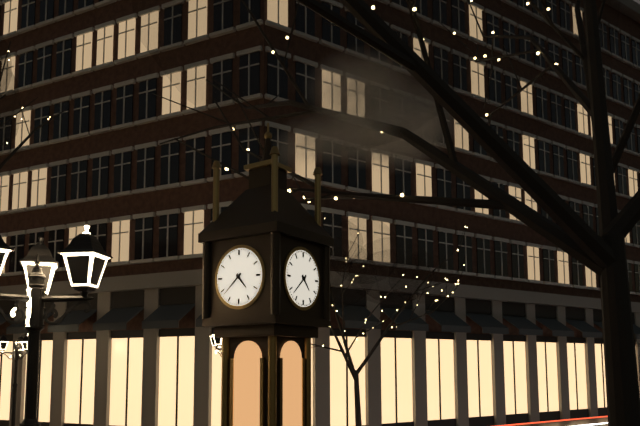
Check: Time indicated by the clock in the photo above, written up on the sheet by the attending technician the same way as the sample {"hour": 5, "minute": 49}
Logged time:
{"hour": 4, "minute": 38}
